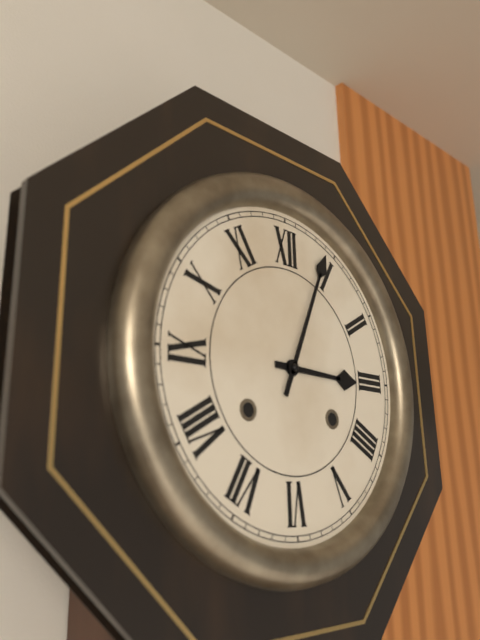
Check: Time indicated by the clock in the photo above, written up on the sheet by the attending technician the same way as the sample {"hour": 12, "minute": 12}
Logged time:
{"hour": 3, "minute": 4}
